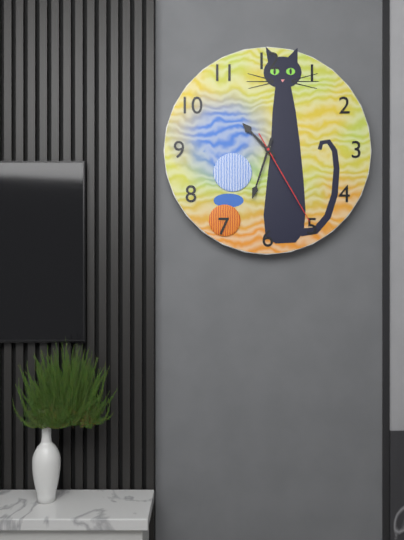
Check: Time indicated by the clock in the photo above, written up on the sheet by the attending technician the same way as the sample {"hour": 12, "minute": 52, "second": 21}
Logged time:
{"hour": 10, "minute": 33, "second": 25}
